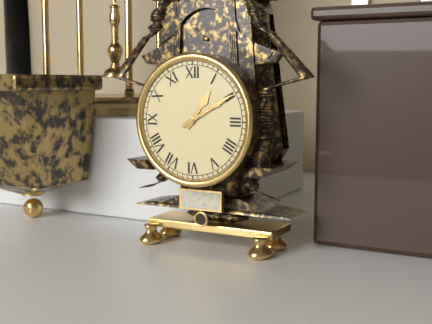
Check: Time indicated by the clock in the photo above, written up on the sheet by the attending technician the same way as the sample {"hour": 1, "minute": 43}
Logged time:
{"hour": 1, "minute": 10}
